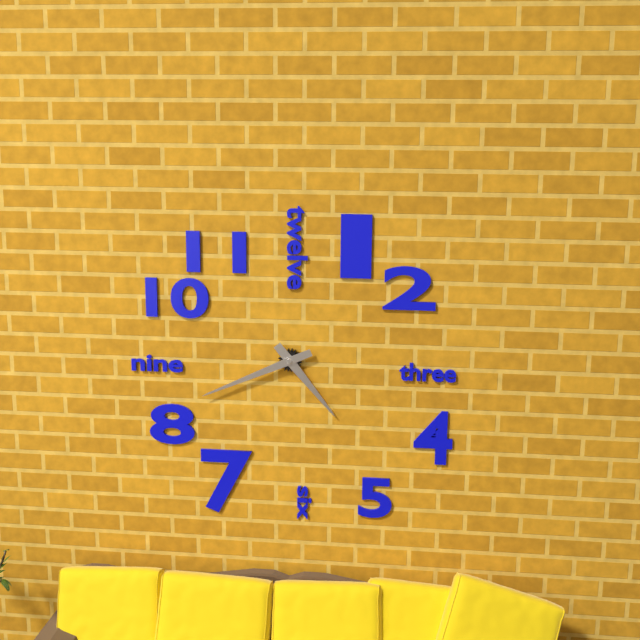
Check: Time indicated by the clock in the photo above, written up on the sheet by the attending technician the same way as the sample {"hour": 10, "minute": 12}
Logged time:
{"hour": 4, "minute": 41}
